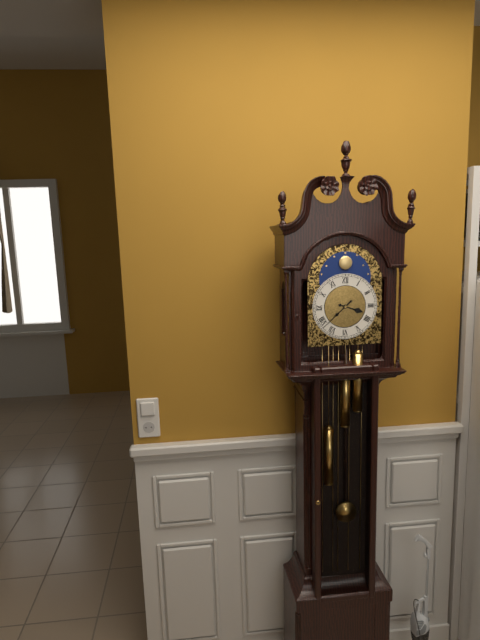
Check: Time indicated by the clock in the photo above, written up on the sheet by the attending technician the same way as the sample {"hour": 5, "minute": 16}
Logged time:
{"hour": 3, "minute": 38}
